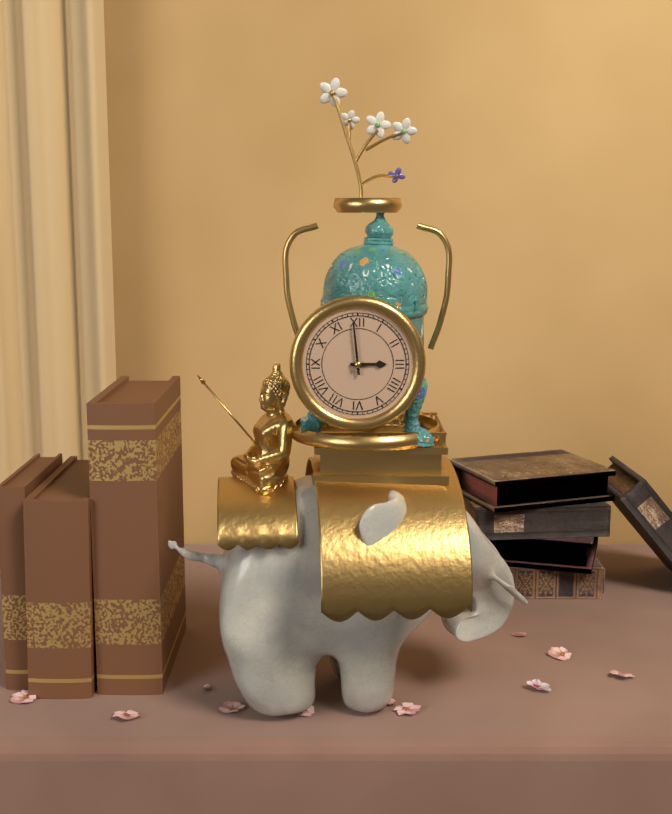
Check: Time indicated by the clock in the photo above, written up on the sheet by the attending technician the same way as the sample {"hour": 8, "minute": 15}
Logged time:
{"hour": 2, "minute": 59}
